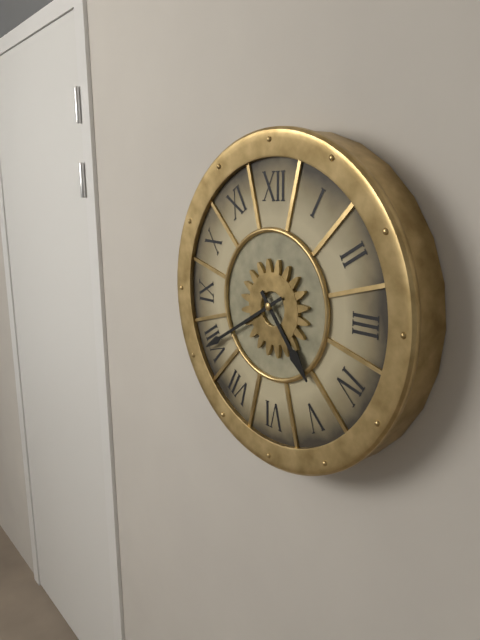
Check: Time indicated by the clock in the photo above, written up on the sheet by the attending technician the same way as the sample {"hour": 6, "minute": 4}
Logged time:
{"hour": 4, "minute": 40}
